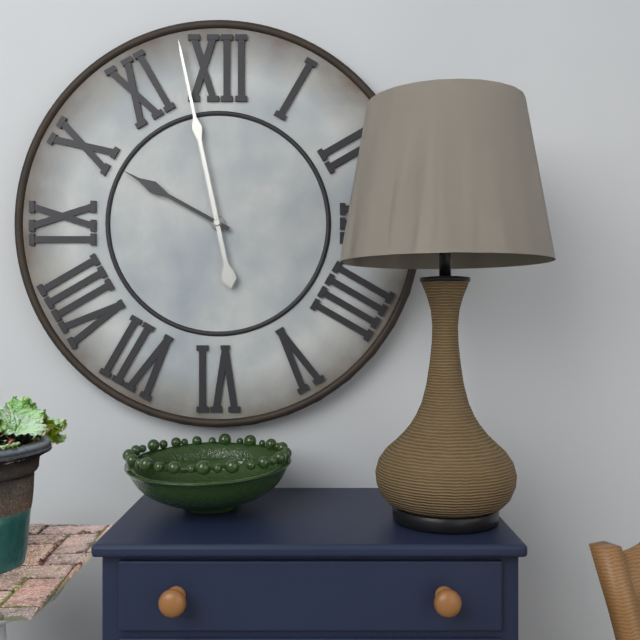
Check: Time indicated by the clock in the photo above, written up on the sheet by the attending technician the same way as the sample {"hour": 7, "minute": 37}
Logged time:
{"hour": 9, "minute": 58}
